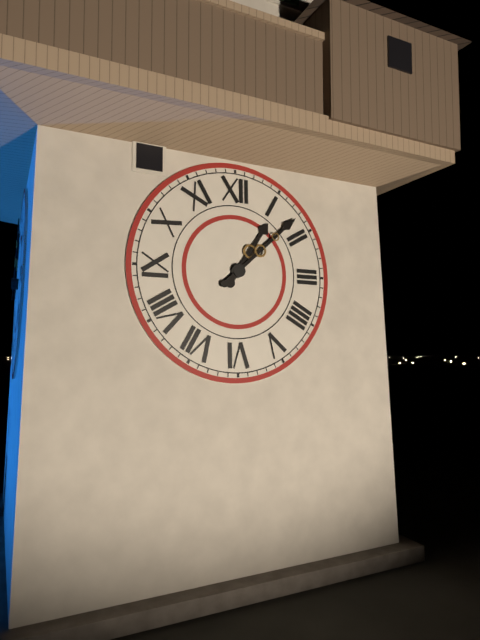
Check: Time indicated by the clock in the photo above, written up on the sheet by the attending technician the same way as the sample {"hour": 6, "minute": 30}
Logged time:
{"hour": 1, "minute": 8}
